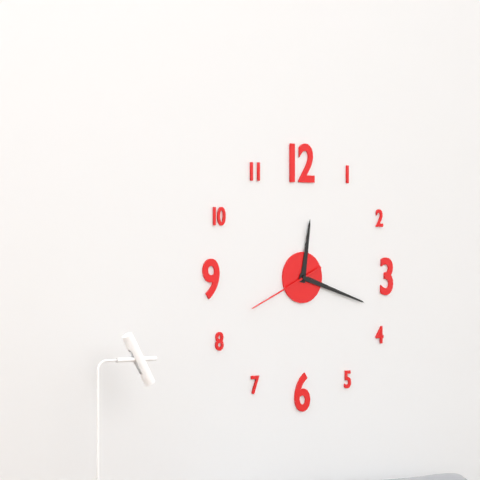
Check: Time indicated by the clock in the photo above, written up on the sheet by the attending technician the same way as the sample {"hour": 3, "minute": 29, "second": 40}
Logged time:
{"hour": 12, "minute": 18, "second": 41}
